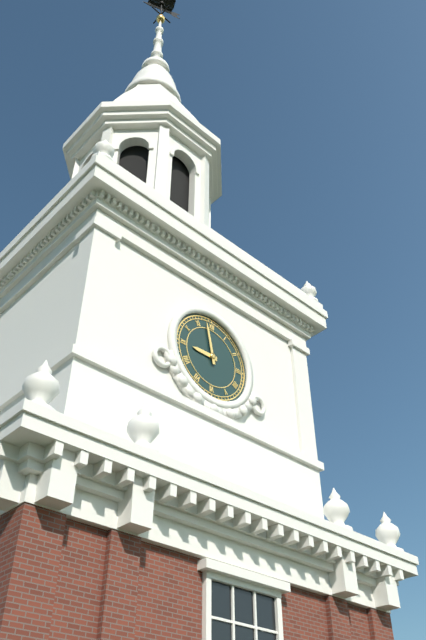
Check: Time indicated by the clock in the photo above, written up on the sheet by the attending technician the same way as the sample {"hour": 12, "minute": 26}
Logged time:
{"hour": 8, "minute": 58}
